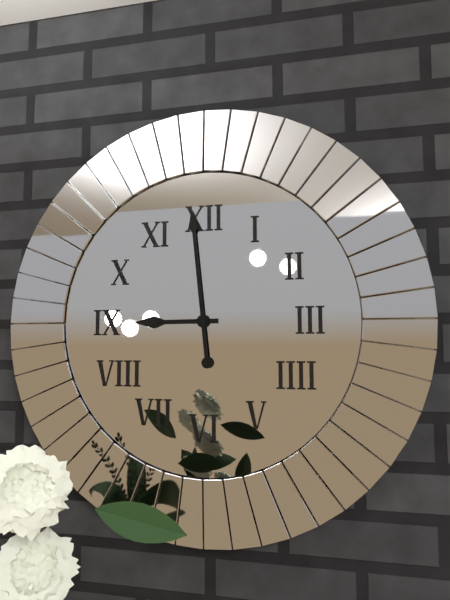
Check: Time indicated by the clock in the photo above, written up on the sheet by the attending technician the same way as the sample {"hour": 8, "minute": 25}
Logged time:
{"hour": 8, "minute": 59}
